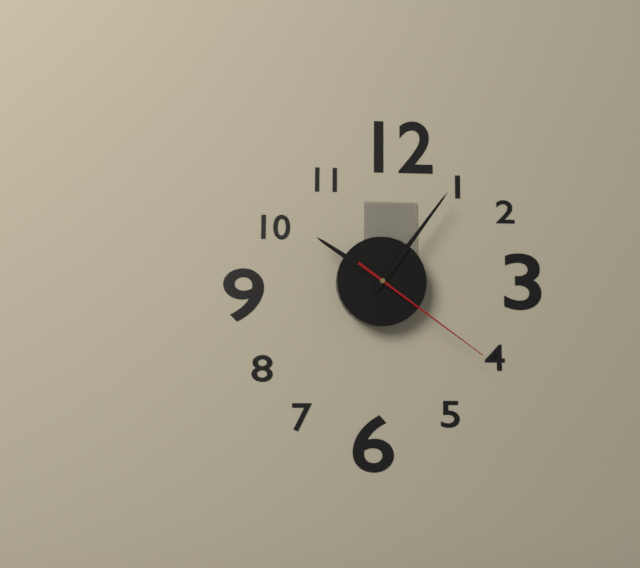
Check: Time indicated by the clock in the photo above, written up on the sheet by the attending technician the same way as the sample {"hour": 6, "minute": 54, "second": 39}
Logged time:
{"hour": 10, "minute": 6, "second": 21}
